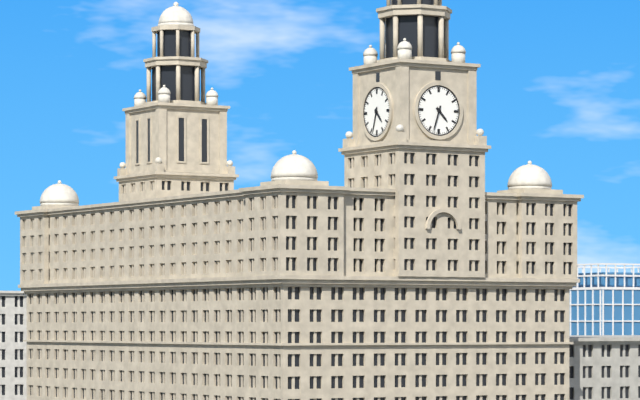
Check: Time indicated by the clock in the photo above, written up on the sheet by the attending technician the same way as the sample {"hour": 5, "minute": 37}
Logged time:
{"hour": 4, "minute": 33}
